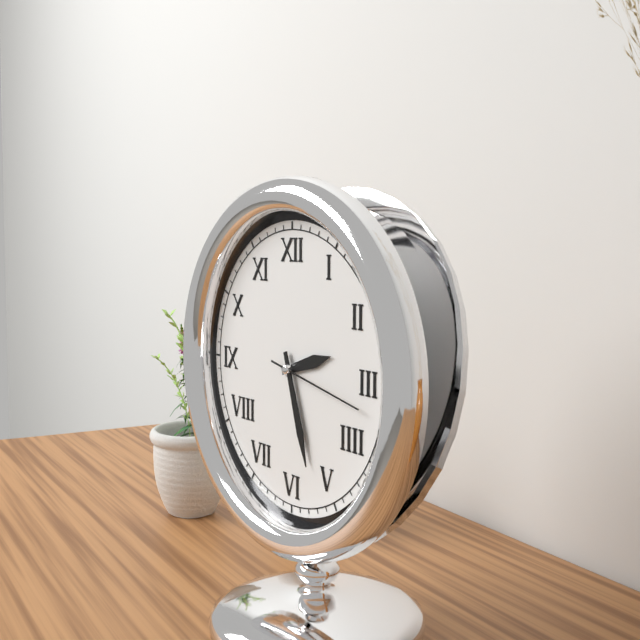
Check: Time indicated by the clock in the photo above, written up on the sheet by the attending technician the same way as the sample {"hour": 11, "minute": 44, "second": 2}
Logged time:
{"hour": 2, "minute": 27, "second": 17}
